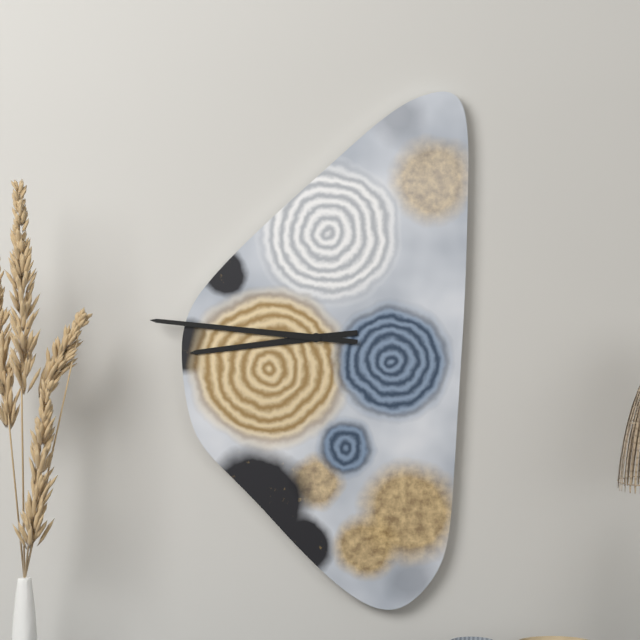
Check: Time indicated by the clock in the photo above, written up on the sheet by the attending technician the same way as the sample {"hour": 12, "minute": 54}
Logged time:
{"hour": 8, "minute": 46}
